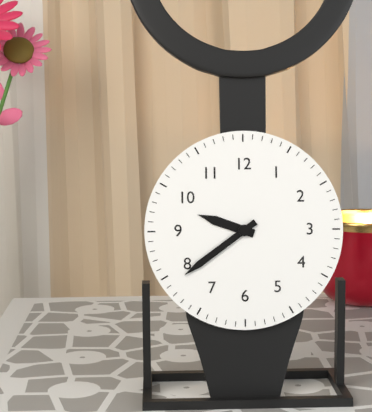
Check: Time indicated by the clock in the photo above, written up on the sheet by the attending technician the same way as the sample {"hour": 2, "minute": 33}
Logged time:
{"hour": 9, "minute": 39}
